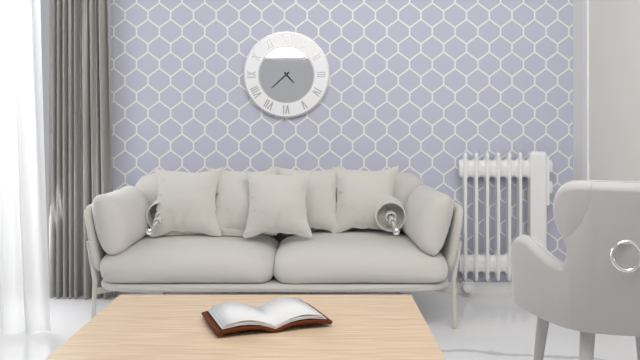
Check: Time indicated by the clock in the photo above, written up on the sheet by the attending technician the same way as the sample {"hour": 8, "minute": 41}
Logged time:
{"hour": 4, "minute": 38}
